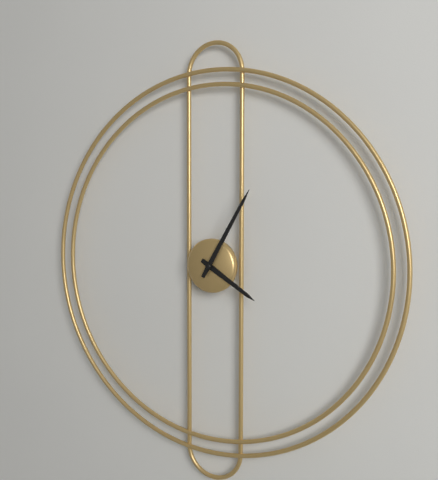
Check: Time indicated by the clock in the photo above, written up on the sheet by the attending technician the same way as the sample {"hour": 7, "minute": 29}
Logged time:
{"hour": 4, "minute": 5}
